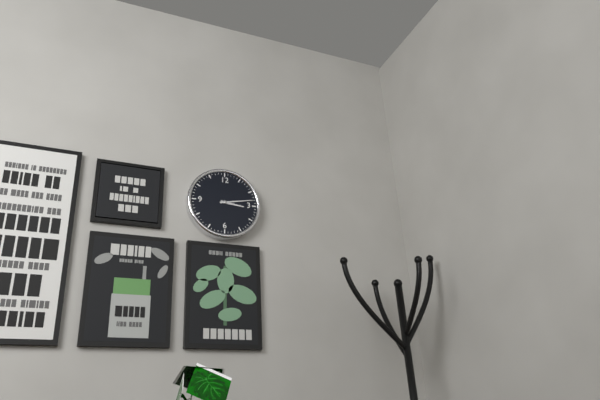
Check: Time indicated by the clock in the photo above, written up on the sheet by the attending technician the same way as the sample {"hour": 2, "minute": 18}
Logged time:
{"hour": 3, "minute": 13}
